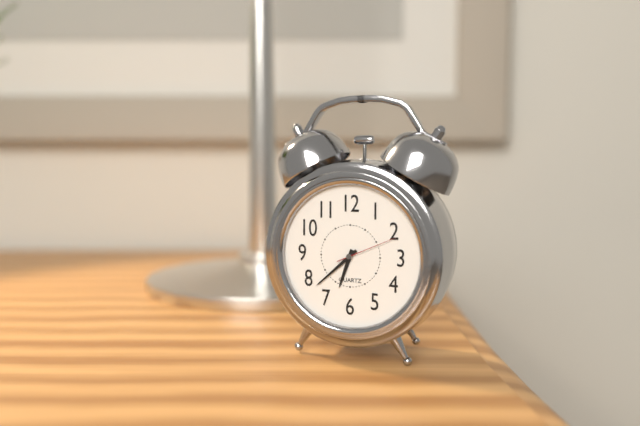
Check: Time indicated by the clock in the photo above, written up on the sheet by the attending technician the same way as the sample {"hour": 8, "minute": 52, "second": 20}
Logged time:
{"hour": 6, "minute": 38, "second": 11}
